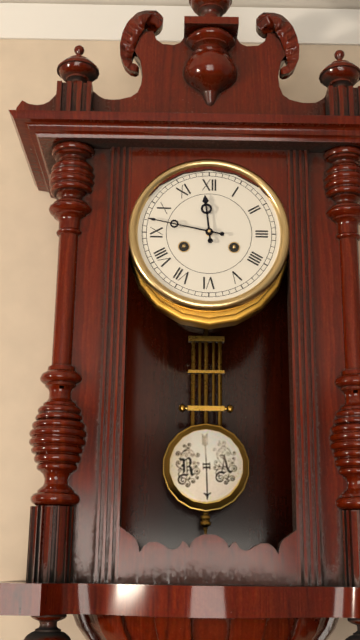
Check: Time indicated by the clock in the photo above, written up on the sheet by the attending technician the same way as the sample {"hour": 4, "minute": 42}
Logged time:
{"hour": 11, "minute": 47}
